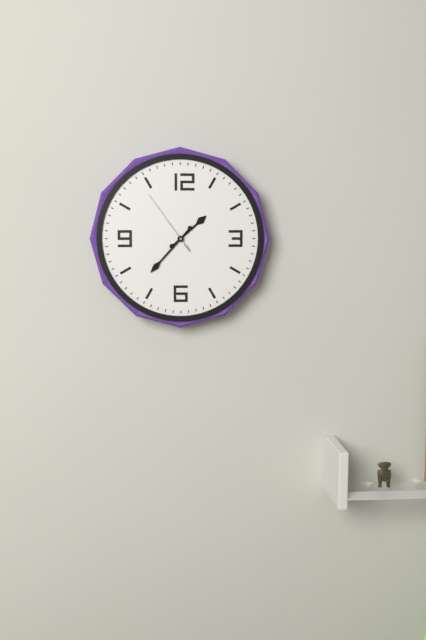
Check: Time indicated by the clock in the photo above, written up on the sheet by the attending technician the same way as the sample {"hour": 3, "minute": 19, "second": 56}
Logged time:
{"hour": 1, "minute": 37, "second": 54}
